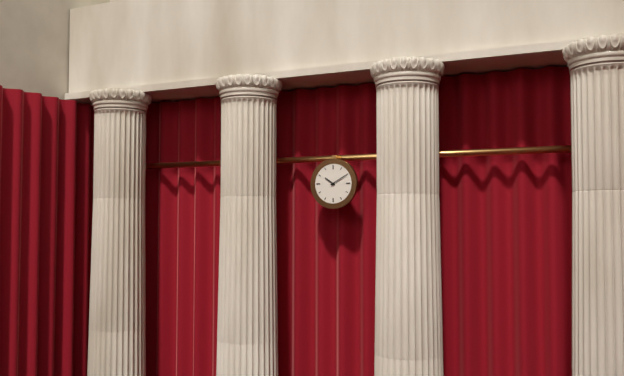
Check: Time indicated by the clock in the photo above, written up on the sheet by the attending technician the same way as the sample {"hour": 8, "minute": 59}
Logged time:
{"hour": 10, "minute": 10}
